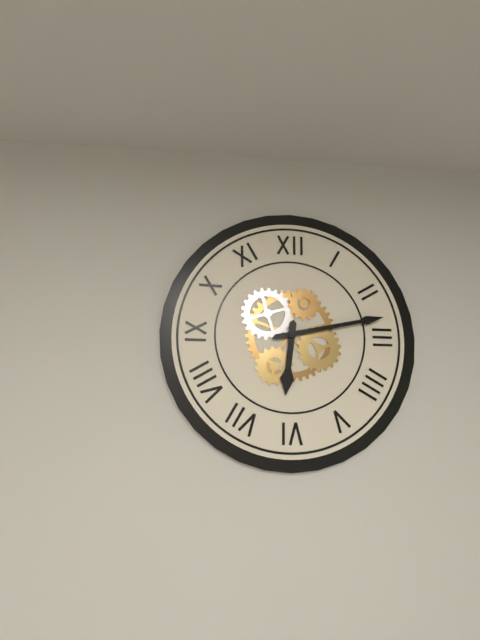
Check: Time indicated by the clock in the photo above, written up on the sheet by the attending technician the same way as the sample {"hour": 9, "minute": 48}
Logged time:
{"hour": 6, "minute": 13}
